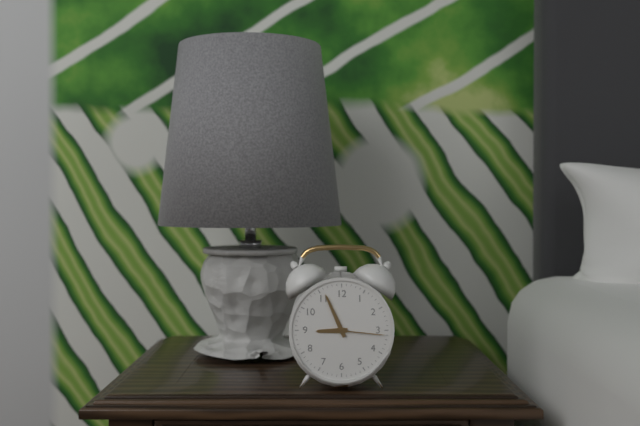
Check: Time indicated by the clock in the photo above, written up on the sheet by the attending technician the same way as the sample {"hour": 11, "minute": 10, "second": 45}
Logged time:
{"hour": 8, "minute": 56, "second": 16}
